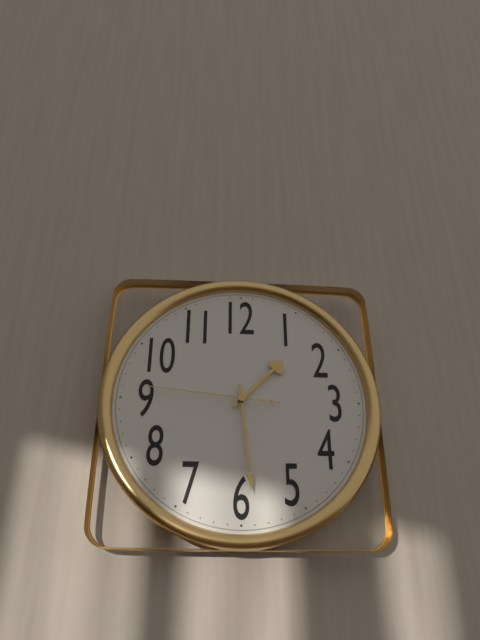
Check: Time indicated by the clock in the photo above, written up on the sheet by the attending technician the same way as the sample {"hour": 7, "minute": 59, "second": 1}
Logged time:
{"hour": 1, "minute": 29, "second": 46}
